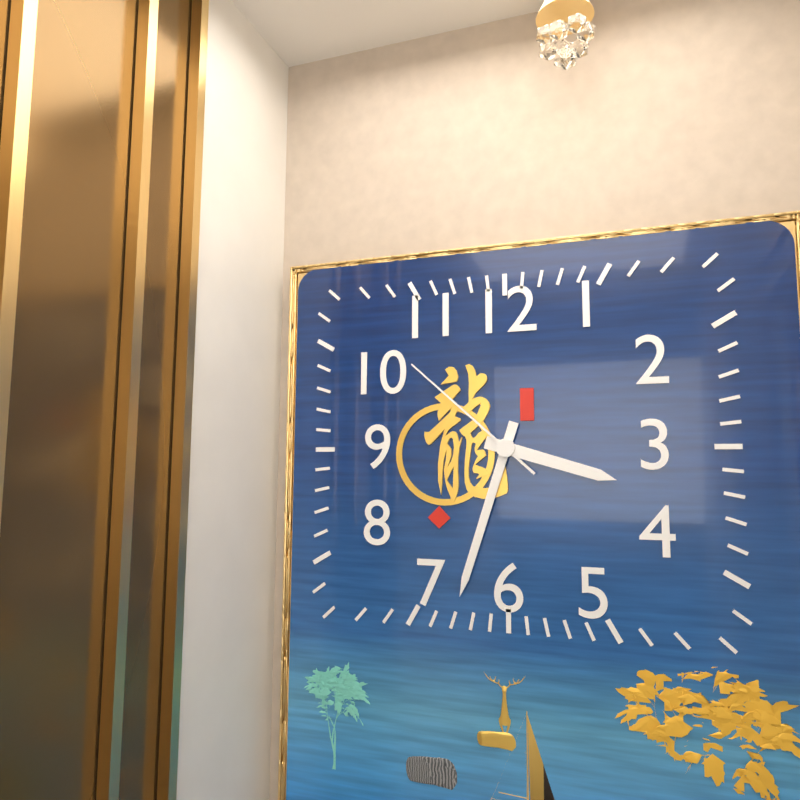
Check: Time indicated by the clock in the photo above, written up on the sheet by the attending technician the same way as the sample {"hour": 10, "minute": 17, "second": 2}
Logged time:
{"hour": 3, "minute": 33, "second": 52}
